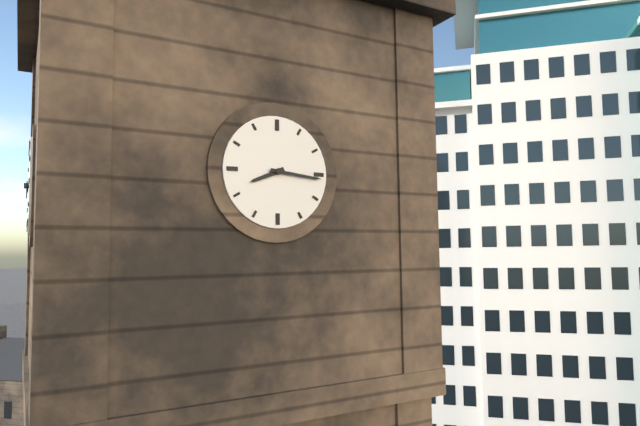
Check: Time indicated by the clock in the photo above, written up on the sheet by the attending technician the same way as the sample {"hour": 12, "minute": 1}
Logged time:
{"hour": 8, "minute": 16}
